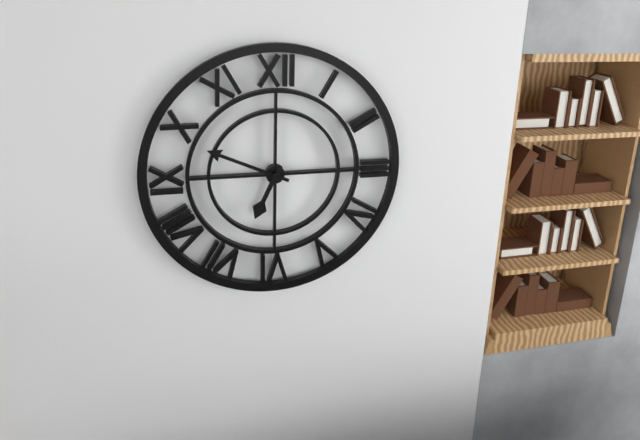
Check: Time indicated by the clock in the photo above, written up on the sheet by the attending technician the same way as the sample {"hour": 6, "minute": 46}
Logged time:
{"hour": 6, "minute": 49}
